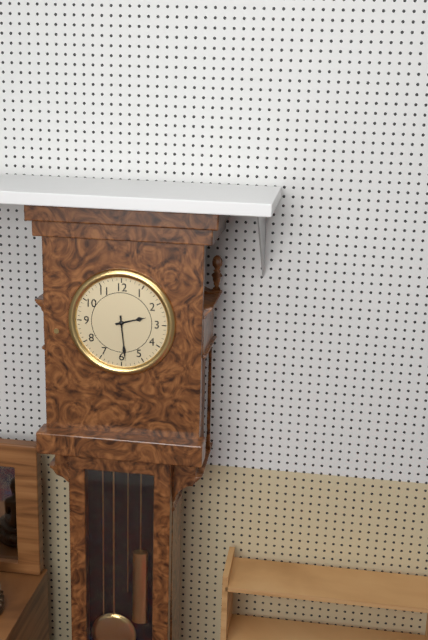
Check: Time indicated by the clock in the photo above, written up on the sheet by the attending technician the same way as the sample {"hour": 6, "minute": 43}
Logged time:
{"hour": 2, "minute": 29}
